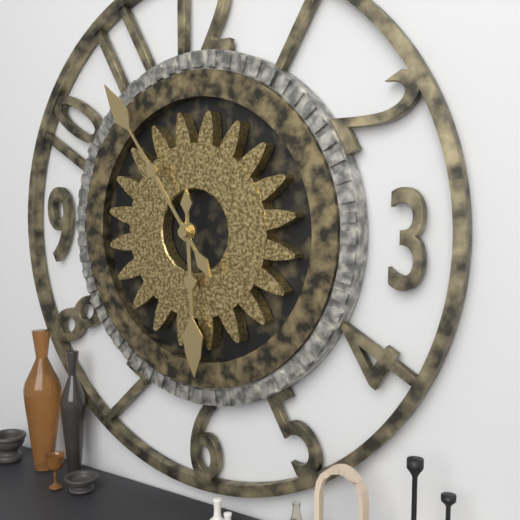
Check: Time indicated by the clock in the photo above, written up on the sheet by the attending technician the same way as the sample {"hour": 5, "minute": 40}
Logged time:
{"hour": 5, "minute": 54}
